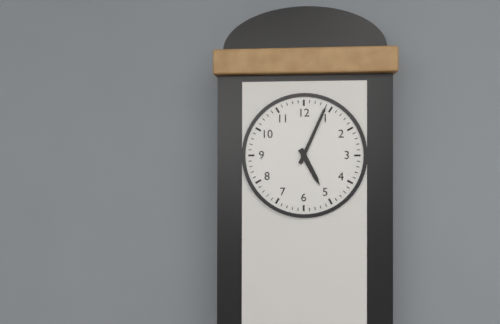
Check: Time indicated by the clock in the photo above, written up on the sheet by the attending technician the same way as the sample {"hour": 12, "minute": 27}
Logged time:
{"hour": 5, "minute": 4}
